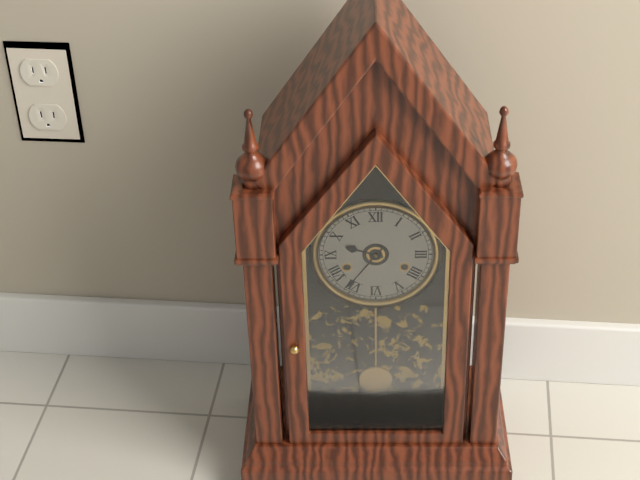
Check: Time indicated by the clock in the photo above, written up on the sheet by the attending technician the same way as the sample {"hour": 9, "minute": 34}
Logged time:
{"hour": 9, "minute": 36}
